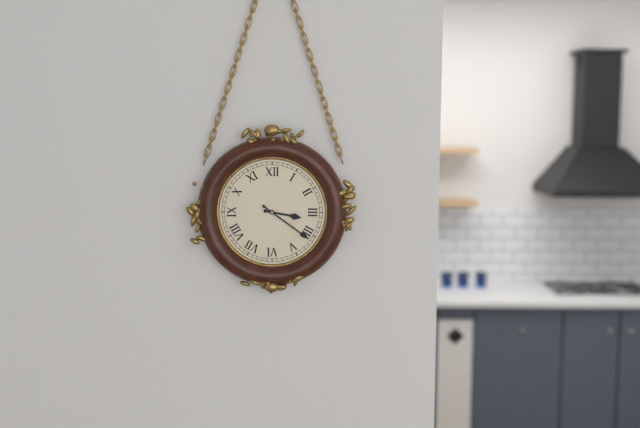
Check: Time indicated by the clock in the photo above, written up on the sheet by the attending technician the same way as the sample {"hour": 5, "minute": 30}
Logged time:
{"hour": 3, "minute": 21}
